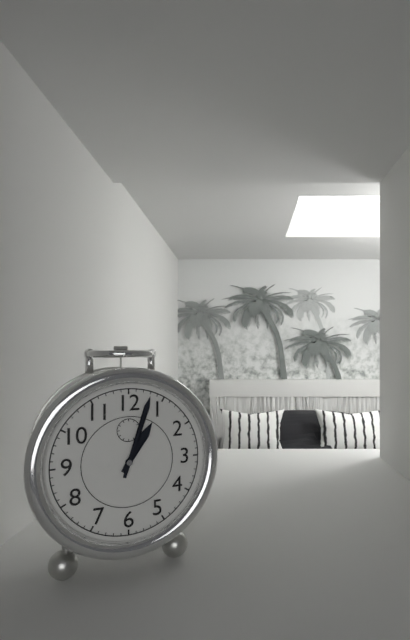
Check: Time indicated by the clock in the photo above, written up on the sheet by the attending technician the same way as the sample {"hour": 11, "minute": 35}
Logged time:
{"hour": 1, "minute": 3}
